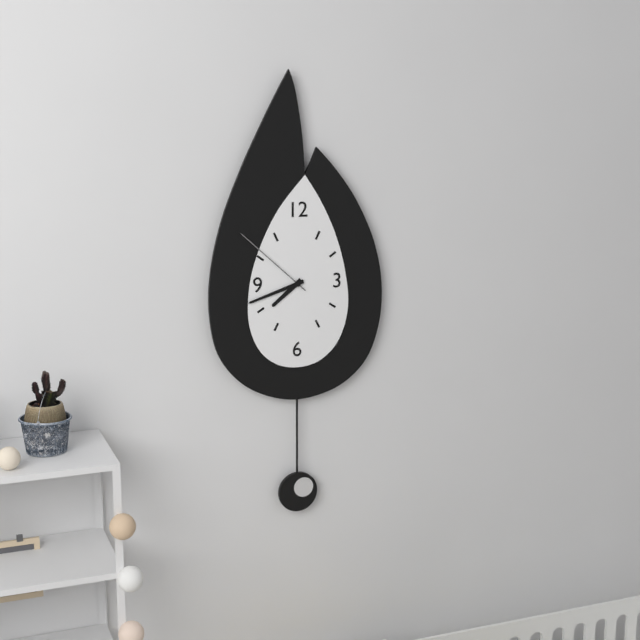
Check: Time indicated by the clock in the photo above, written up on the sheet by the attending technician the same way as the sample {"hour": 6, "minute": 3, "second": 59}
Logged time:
{"hour": 7, "minute": 42, "second": 52}
